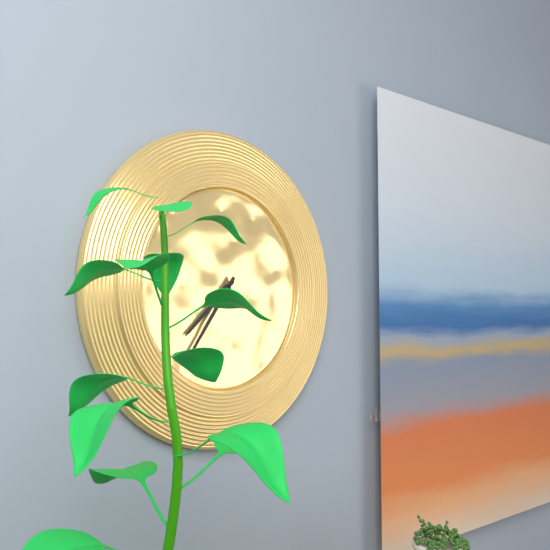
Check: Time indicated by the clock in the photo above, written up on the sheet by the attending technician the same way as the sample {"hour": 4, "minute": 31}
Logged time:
{"hour": 7, "minute": 36}
